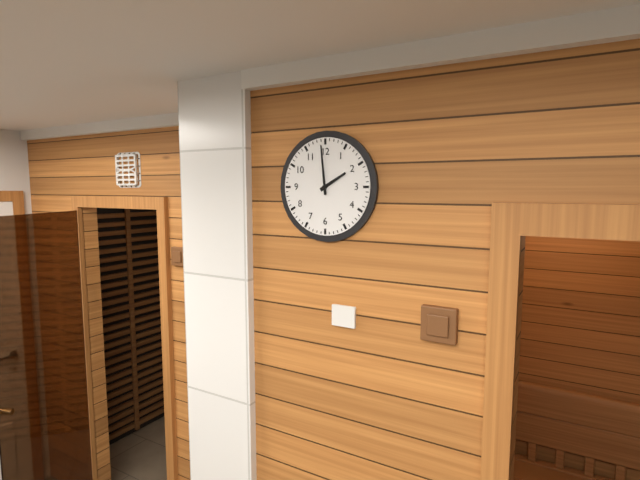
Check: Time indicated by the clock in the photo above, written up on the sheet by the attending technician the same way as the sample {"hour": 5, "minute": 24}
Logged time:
{"hour": 1, "minute": 59}
